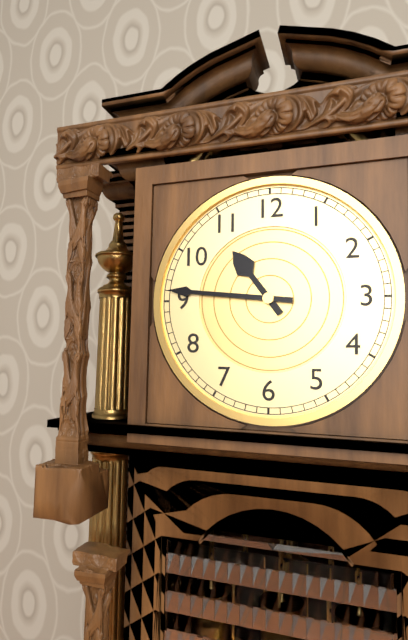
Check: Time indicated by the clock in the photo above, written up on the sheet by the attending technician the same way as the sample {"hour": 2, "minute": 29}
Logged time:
{"hour": 10, "minute": 46}
